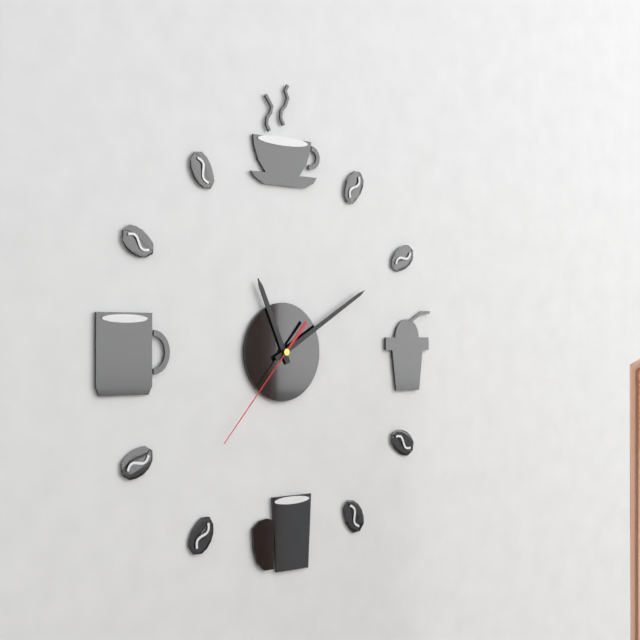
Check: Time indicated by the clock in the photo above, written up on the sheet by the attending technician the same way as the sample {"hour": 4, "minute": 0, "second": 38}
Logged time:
{"hour": 11, "minute": 10, "second": 37}
